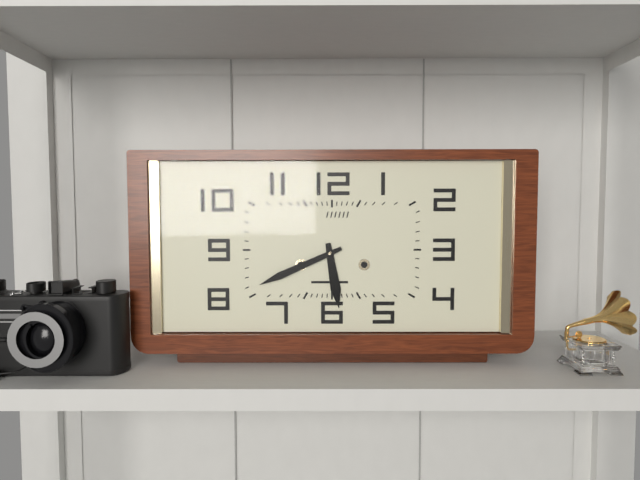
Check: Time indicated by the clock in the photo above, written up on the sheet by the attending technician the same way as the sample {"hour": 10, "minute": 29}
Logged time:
{"hour": 5, "minute": 41}
